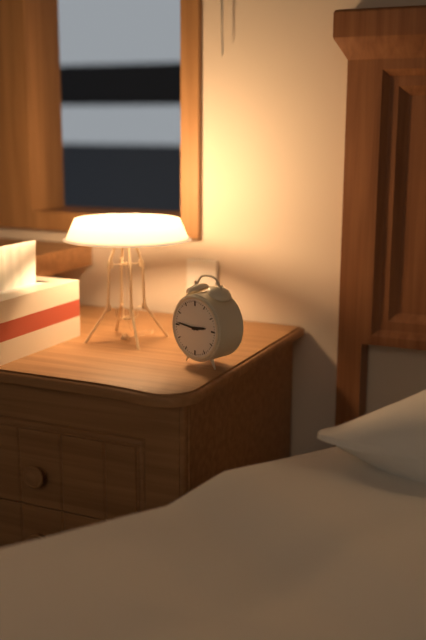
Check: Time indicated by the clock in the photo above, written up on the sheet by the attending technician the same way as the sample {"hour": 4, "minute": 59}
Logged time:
{"hour": 2, "minute": 46}
